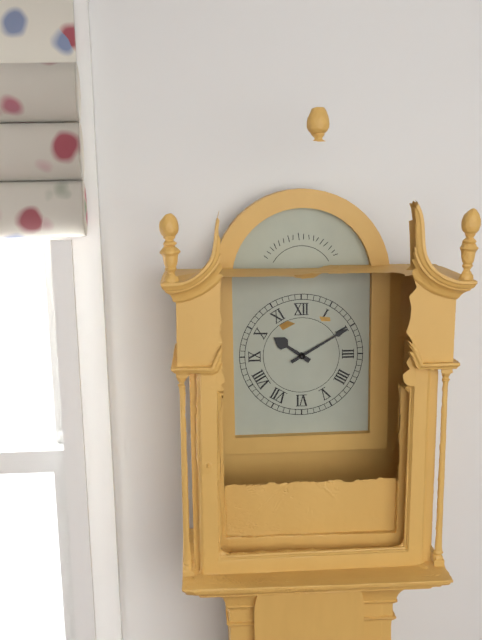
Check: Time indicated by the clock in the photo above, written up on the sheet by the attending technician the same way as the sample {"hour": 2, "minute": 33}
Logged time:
{"hour": 10, "minute": 10}
